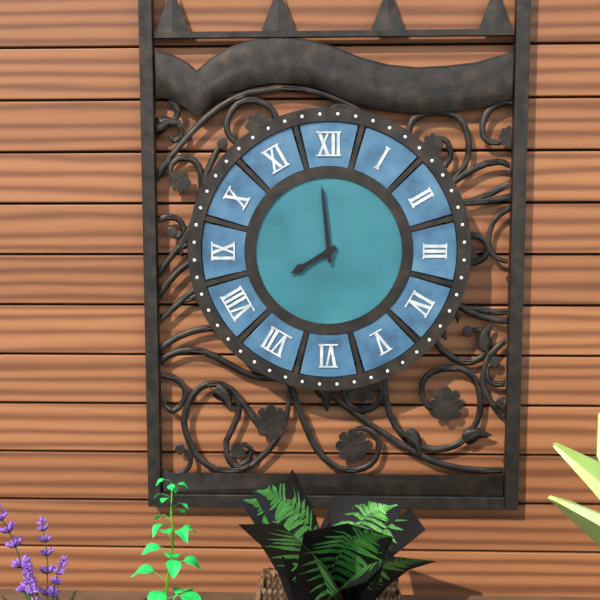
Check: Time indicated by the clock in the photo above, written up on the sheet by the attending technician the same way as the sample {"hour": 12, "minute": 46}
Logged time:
{"hour": 7, "minute": 59}
